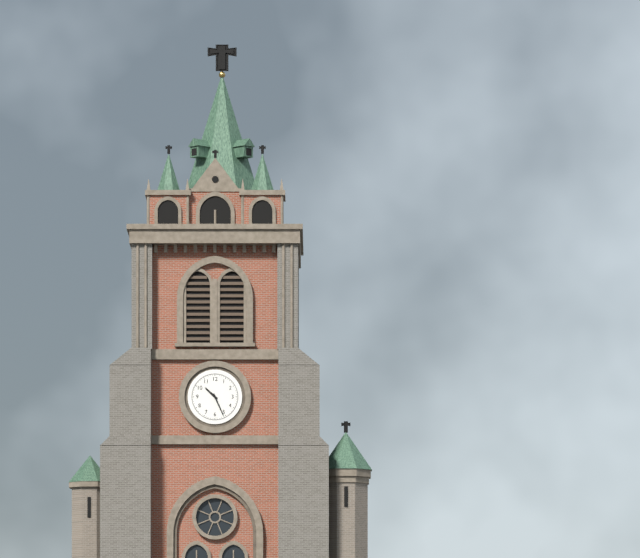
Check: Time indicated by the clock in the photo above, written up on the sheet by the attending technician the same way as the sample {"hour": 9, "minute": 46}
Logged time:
{"hour": 10, "minute": 26}
